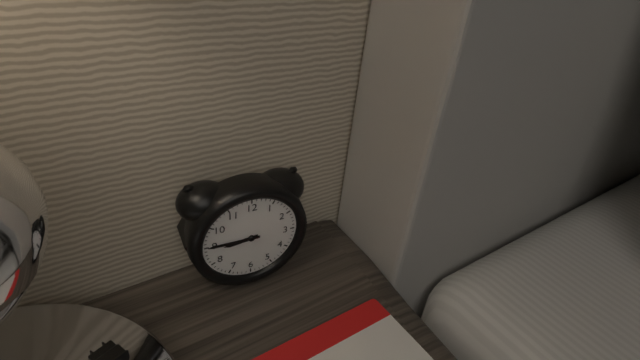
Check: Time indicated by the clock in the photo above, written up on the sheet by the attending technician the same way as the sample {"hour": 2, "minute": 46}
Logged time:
{"hour": 8, "minute": 45}
